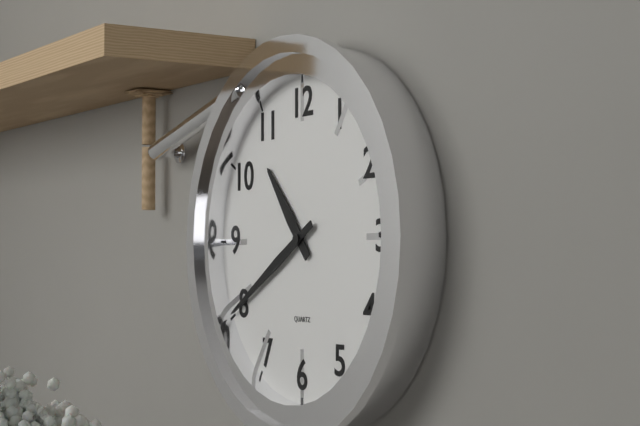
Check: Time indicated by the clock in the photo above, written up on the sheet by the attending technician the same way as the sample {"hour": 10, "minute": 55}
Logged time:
{"hour": 10, "minute": 40}
